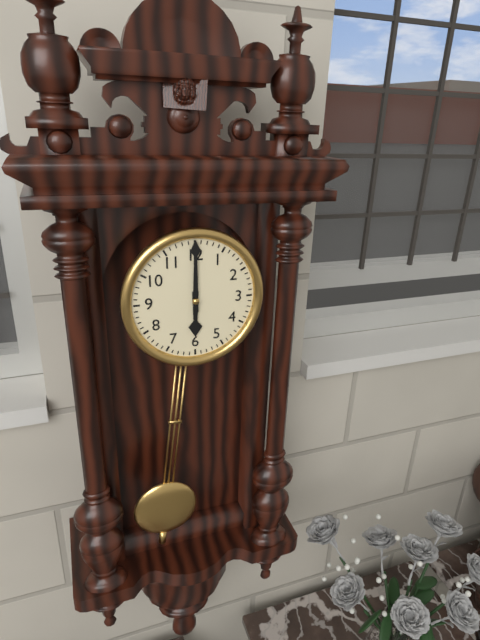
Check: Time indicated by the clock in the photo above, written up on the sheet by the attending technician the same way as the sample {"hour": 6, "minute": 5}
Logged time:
{"hour": 6, "minute": 0}
